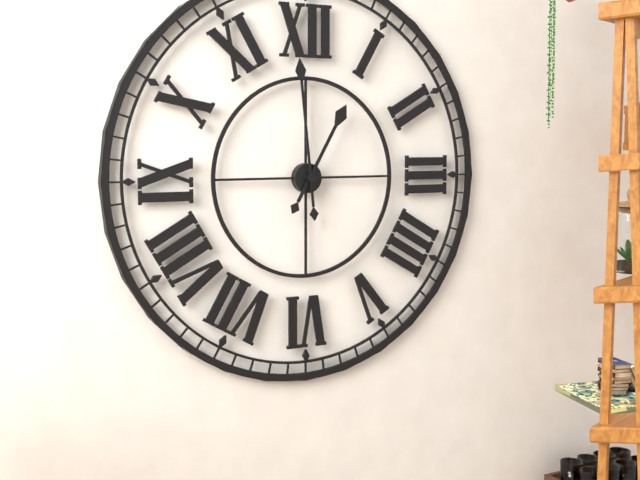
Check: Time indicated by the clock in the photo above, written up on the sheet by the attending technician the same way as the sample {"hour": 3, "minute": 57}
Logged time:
{"hour": 12, "minute": 59}
